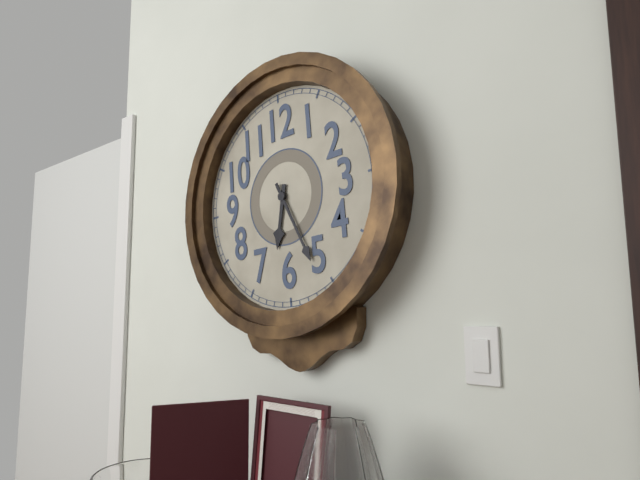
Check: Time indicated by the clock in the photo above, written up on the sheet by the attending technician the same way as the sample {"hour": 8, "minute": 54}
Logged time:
{"hour": 6, "minute": 26}
